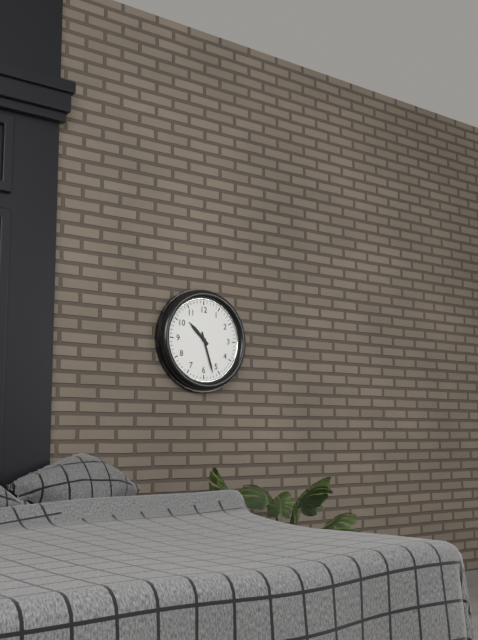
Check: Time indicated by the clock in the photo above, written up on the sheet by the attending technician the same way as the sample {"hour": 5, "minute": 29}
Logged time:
{"hour": 10, "minute": 27}
